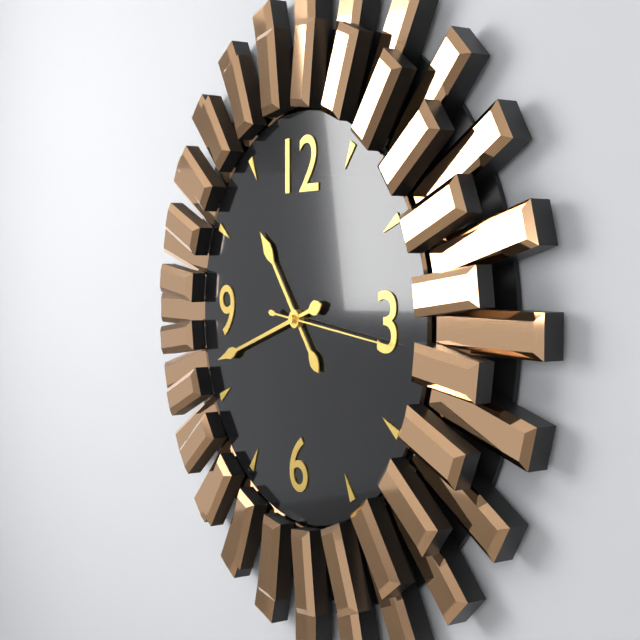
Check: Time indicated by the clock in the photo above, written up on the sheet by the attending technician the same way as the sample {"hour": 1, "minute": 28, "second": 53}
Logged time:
{"hour": 10, "minute": 42, "second": 16}
